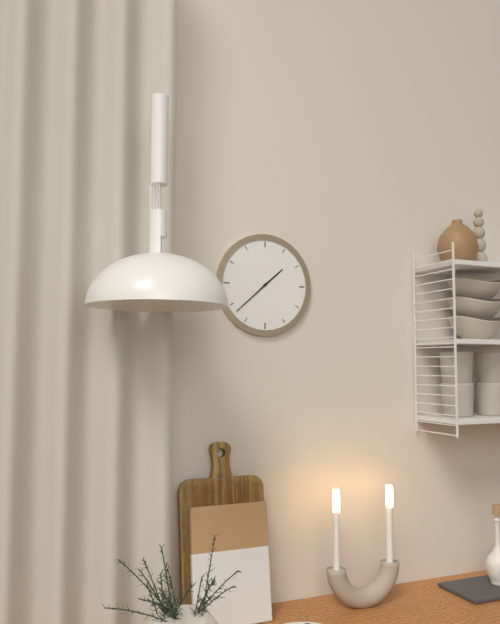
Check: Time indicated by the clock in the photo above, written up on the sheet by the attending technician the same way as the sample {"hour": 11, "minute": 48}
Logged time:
{"hour": 1, "minute": 38}
